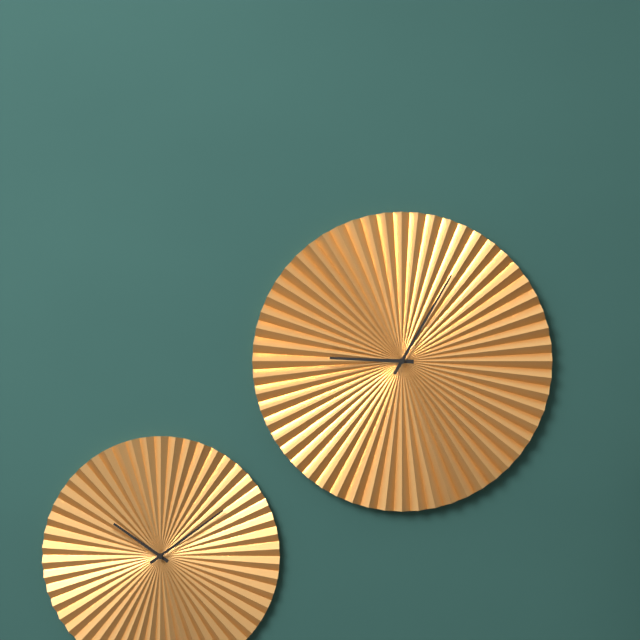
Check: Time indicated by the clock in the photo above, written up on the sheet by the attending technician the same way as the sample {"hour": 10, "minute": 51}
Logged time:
{"hour": 9, "minute": 5}
